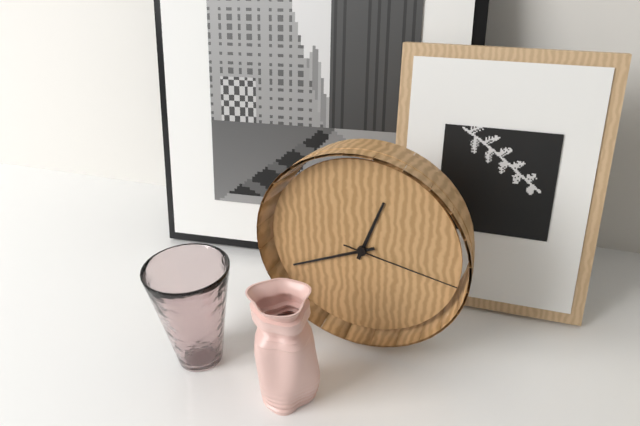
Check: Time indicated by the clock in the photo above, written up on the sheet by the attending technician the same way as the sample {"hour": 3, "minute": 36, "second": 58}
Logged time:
{"hour": 12, "minute": 41, "second": 17}
